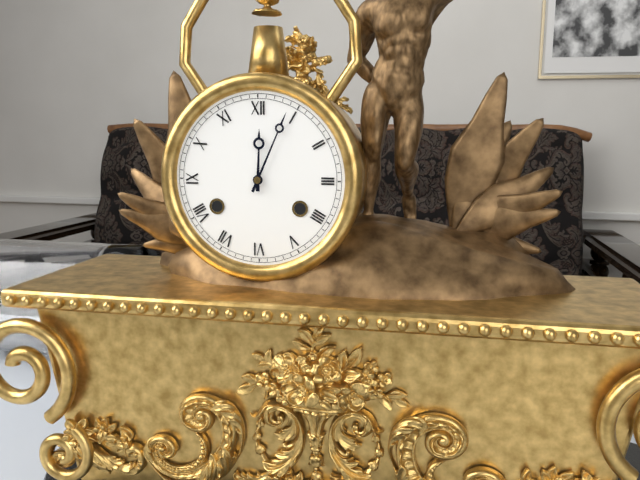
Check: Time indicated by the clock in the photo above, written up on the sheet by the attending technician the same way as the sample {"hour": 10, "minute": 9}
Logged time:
{"hour": 12, "minute": 4}
